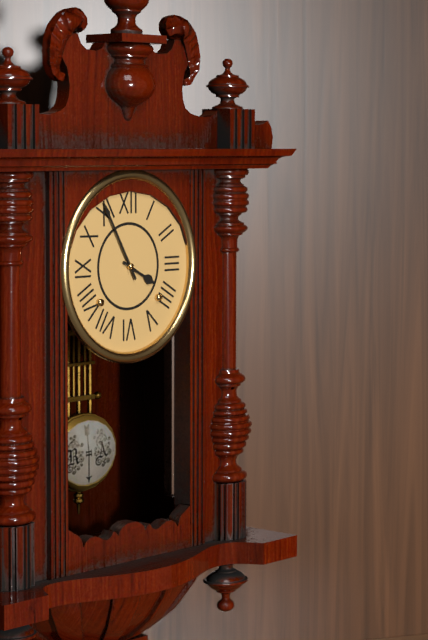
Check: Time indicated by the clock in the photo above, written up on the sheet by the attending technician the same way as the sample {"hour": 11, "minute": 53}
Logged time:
{"hour": 3, "minute": 55}
